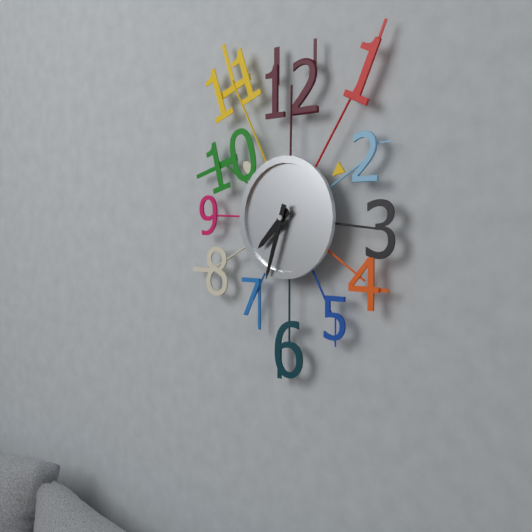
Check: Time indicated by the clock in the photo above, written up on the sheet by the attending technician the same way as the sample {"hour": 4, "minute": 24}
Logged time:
{"hour": 7, "minute": 33}
